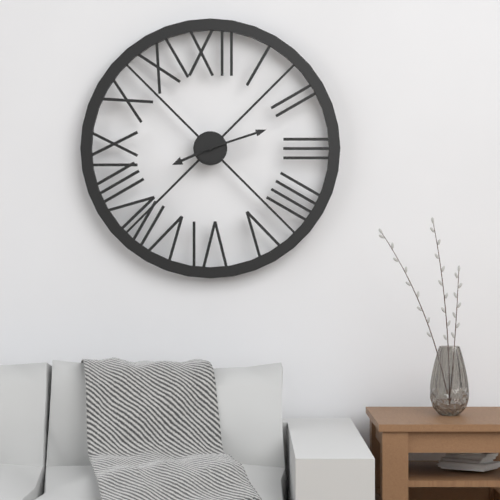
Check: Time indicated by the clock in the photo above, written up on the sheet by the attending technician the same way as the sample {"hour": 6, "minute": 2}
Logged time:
{"hour": 8, "minute": 12}
